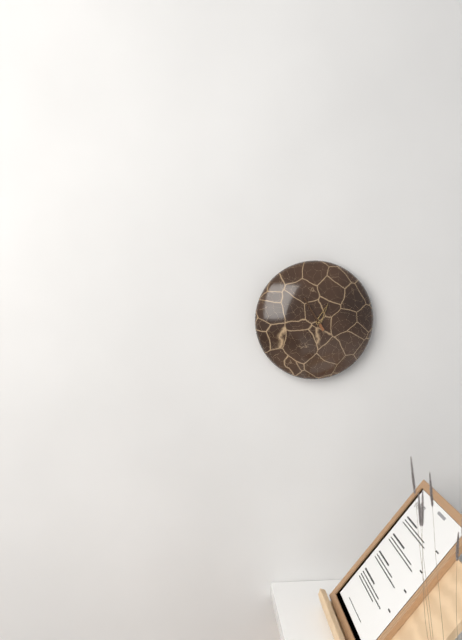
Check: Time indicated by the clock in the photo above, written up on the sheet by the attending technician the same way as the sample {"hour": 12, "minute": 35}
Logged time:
{"hour": 12, "minute": 55}
